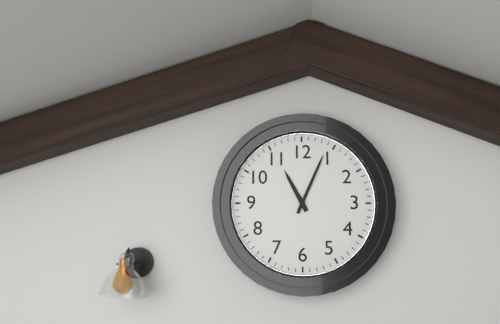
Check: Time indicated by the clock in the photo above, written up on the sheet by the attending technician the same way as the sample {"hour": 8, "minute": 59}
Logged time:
{"hour": 11, "minute": 4}
